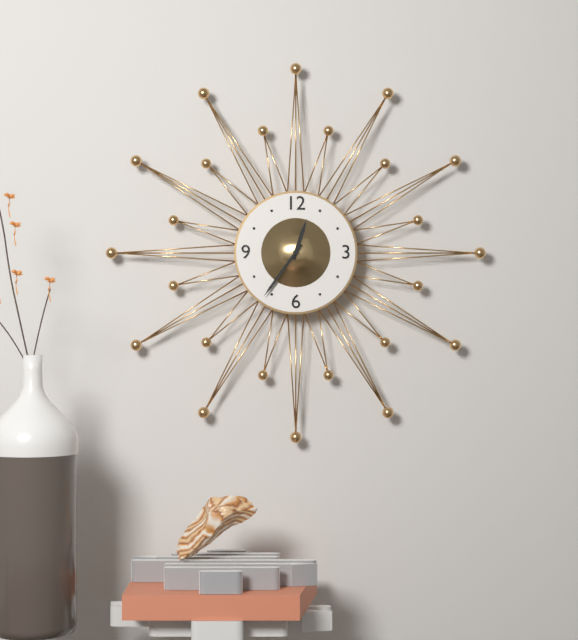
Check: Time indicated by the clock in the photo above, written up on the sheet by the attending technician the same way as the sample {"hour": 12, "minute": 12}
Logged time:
{"hour": 12, "minute": 36}
